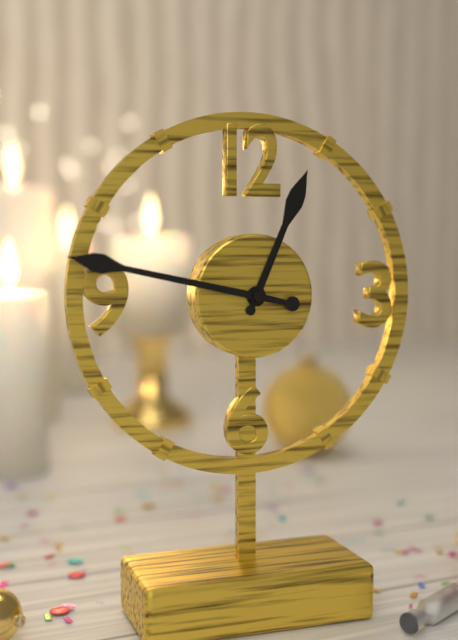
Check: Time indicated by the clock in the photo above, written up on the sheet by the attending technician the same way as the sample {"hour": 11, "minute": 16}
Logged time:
{"hour": 12, "minute": 47}
